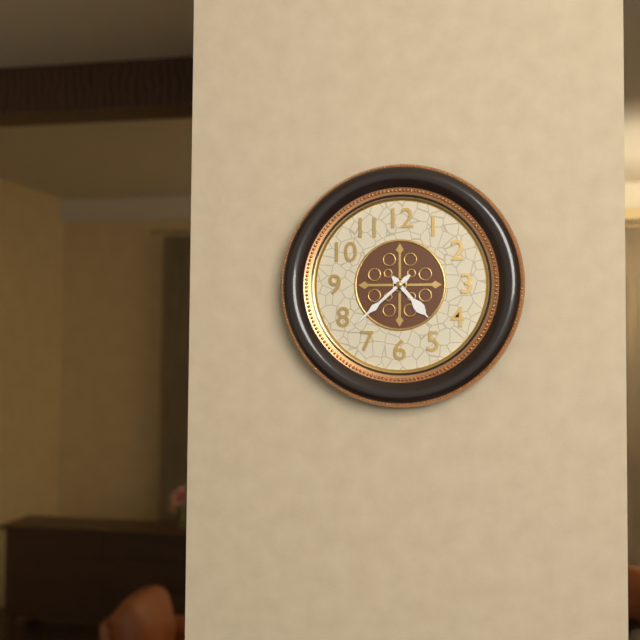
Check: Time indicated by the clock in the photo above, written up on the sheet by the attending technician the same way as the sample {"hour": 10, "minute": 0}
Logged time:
{"hour": 4, "minute": 38}
